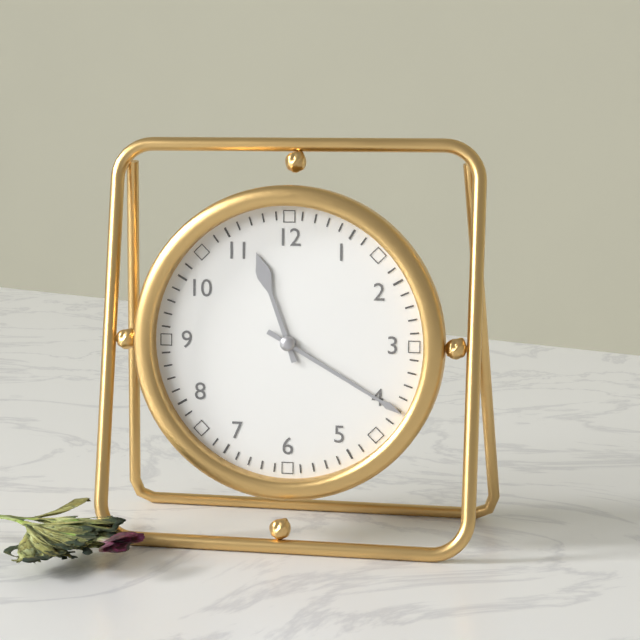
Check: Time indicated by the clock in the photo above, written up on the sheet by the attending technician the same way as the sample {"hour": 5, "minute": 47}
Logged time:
{"hour": 11, "minute": 20}
